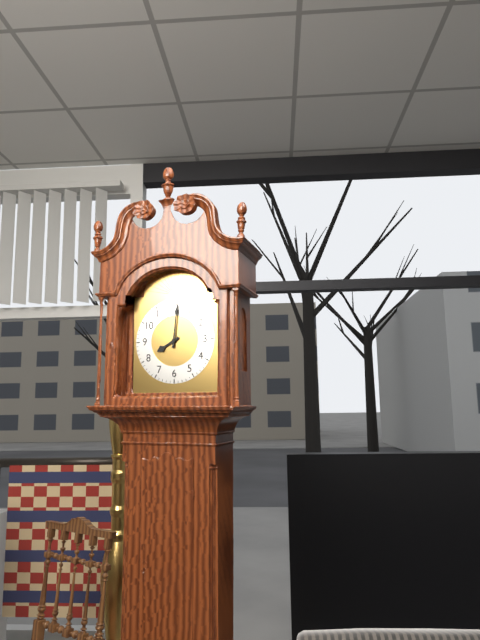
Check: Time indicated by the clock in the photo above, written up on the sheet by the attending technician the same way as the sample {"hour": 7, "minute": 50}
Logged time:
{"hour": 8, "minute": 1}
